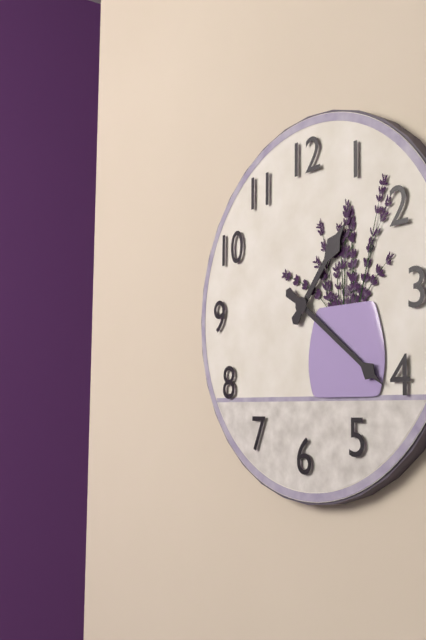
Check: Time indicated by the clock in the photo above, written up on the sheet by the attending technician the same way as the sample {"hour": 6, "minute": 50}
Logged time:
{"hour": 1, "minute": 21}
